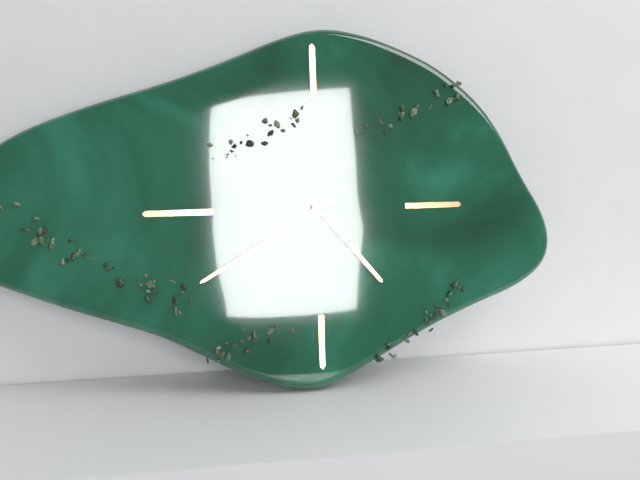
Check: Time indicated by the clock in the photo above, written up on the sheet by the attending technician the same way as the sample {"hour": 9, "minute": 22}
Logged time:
{"hour": 4, "minute": 40}
